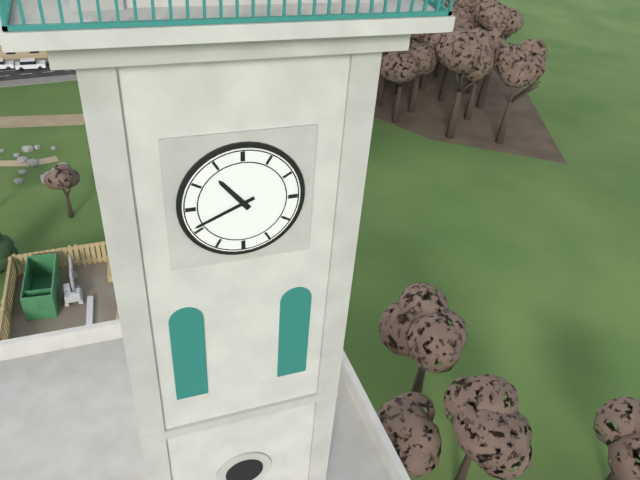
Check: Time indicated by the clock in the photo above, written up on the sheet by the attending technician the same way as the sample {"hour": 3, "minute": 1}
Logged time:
{"hour": 10, "minute": 41}
